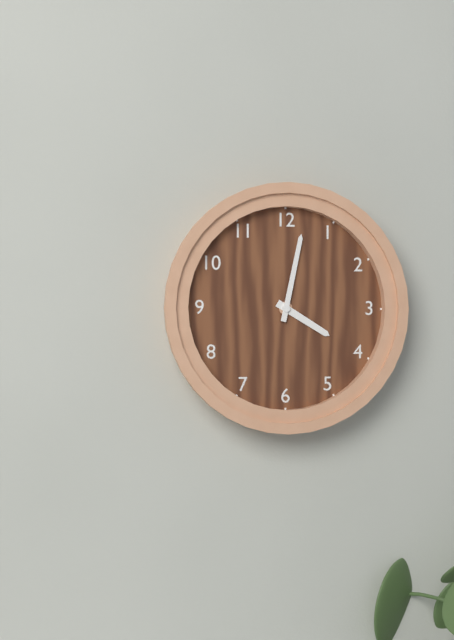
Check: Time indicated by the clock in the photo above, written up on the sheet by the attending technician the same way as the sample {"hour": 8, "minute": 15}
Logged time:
{"hour": 4, "minute": 2}
